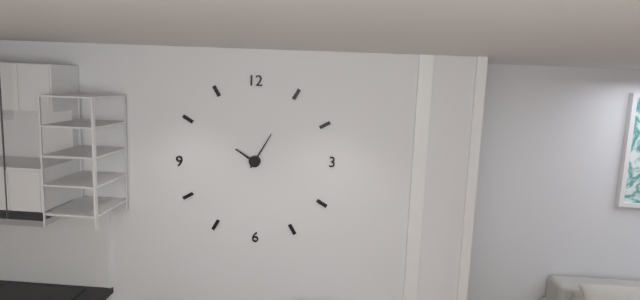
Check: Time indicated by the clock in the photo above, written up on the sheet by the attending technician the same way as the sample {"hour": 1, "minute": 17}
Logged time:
{"hour": 10, "minute": 5}
